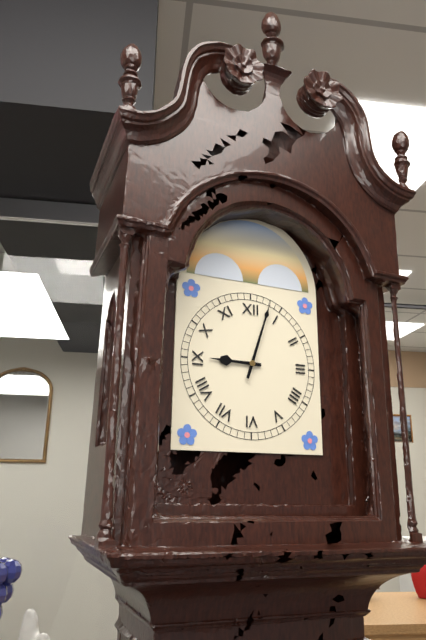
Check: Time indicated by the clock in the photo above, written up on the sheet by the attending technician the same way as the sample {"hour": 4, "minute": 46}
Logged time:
{"hour": 9, "minute": 3}
